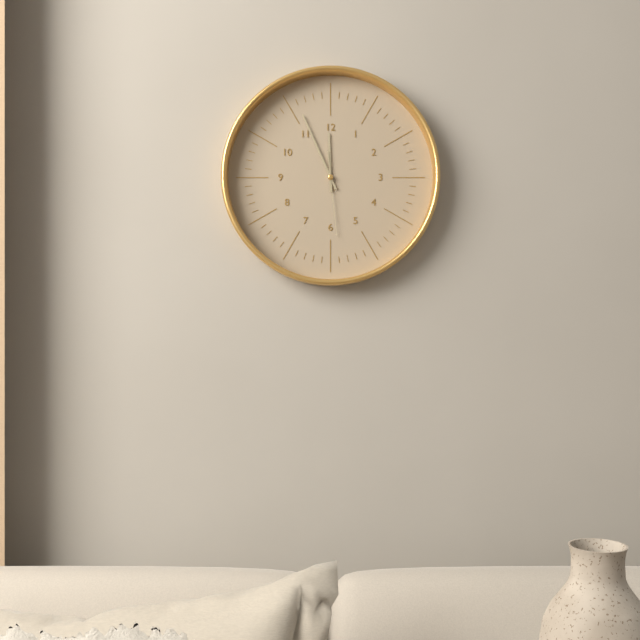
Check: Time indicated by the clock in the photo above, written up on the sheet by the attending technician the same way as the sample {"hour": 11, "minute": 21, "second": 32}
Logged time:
{"hour": 11, "minute": 56, "second": 29}
